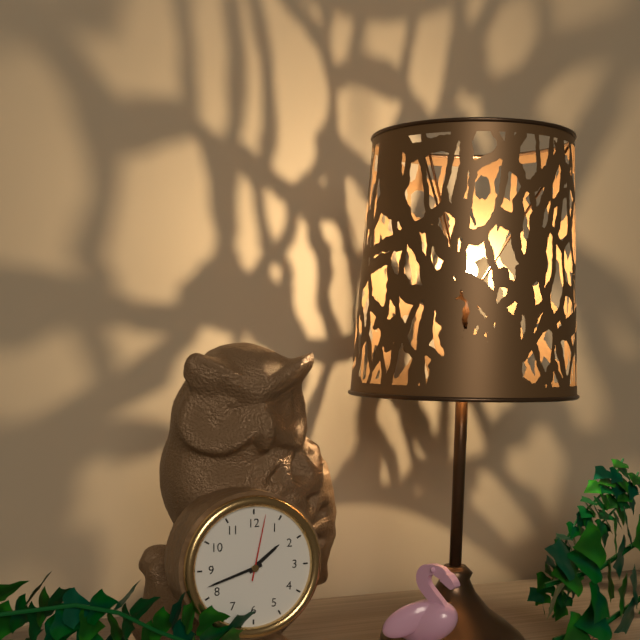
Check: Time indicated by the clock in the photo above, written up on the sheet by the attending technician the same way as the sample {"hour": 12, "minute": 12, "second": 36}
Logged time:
{"hour": 1, "minute": 42, "second": 2}
